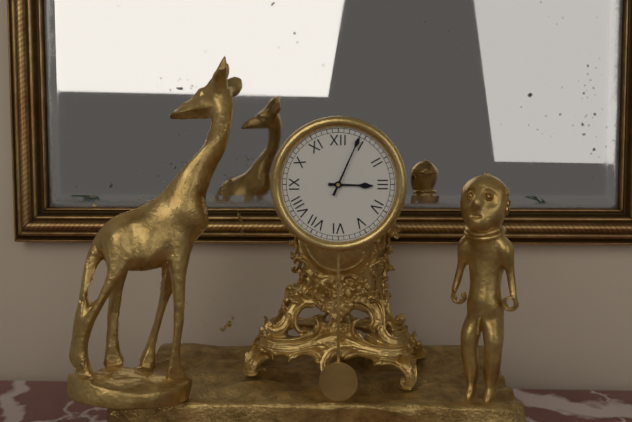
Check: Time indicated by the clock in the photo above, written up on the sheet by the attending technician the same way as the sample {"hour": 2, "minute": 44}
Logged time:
{"hour": 3, "minute": 4}
